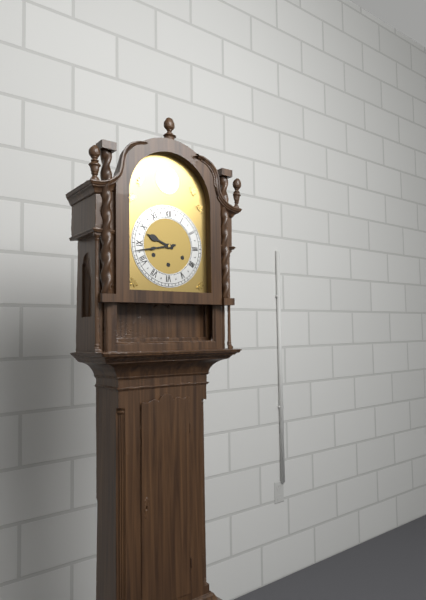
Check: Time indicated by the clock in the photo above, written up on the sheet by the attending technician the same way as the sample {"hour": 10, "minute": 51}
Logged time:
{"hour": 9, "minute": 43}
